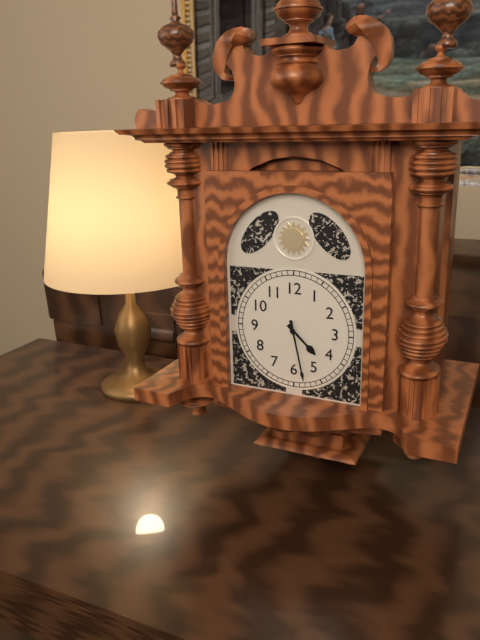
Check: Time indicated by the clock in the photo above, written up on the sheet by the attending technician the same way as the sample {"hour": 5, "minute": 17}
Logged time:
{"hour": 4, "minute": 28}
